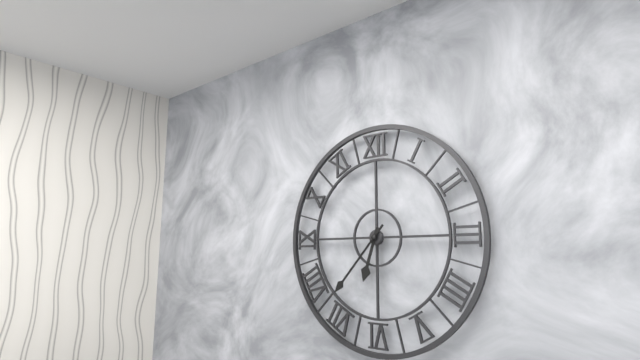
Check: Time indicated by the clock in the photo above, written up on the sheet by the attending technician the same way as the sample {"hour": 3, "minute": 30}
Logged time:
{"hour": 6, "minute": 37}
